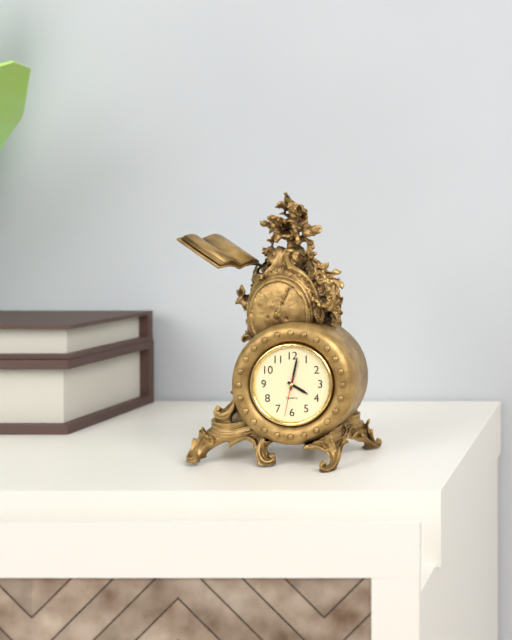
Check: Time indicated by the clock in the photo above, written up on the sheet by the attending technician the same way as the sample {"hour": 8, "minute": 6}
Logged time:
{"hour": 4, "minute": 2}
